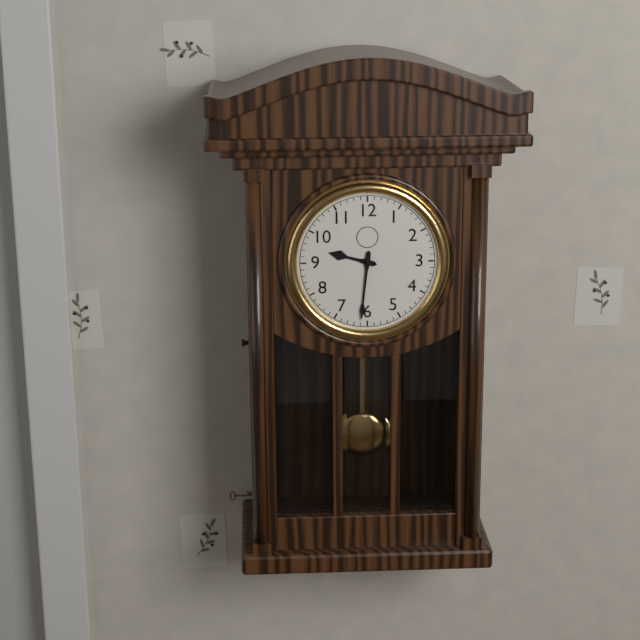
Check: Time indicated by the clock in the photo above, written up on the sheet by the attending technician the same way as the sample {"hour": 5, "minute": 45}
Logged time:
{"hour": 9, "minute": 31}
